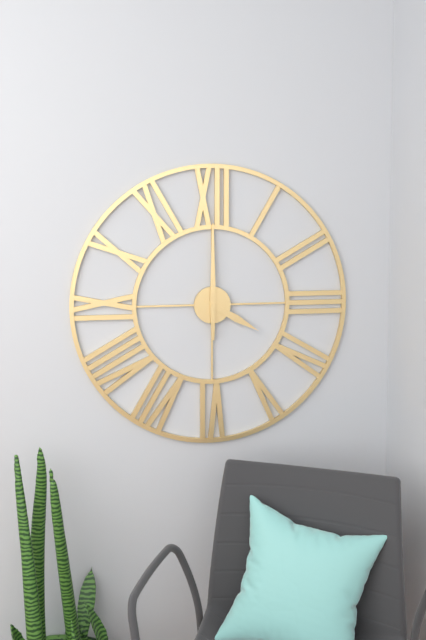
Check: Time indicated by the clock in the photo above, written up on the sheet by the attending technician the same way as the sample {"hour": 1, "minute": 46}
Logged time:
{"hour": 4, "minute": 0}
